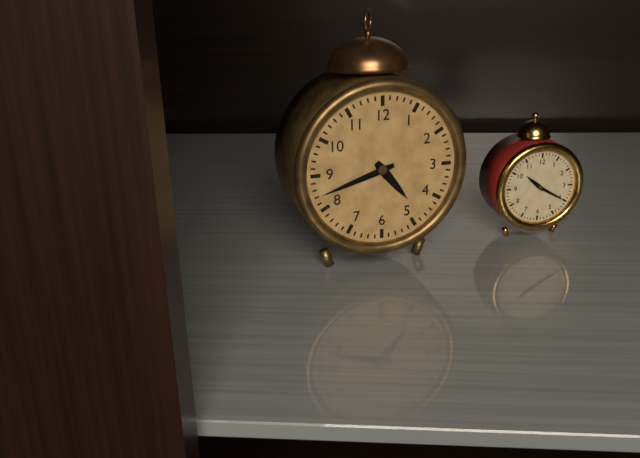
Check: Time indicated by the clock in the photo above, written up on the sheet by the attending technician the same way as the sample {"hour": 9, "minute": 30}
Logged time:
{"hour": 4, "minute": 42}
